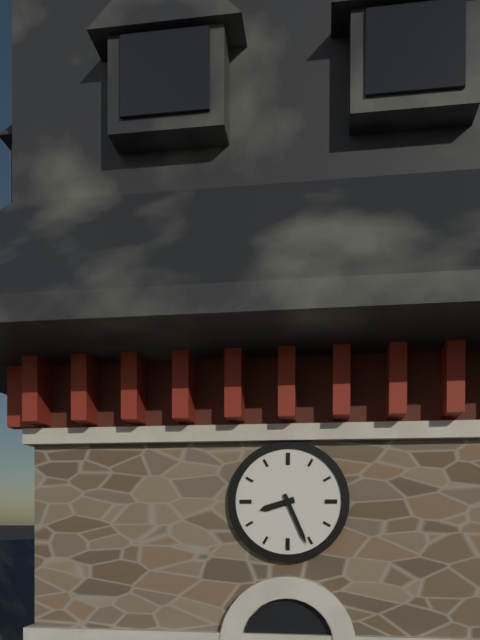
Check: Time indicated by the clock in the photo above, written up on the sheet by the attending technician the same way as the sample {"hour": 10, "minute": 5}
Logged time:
{"hour": 8, "minute": 26}
